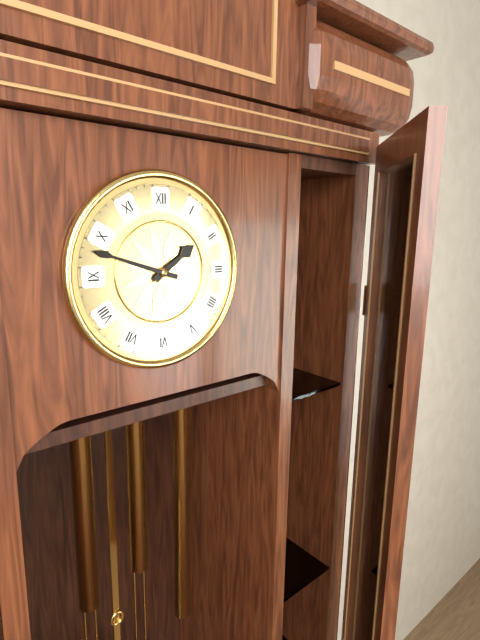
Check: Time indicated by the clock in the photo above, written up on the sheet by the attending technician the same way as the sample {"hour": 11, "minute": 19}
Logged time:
{"hour": 1, "minute": 48}
